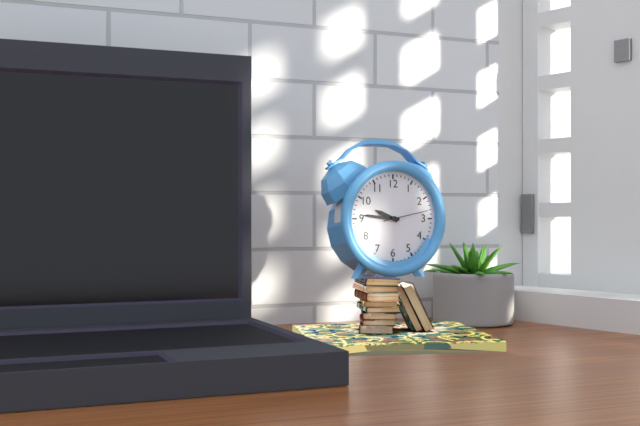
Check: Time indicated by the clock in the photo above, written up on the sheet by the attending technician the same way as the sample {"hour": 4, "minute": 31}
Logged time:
{"hour": 9, "minute": 46}
